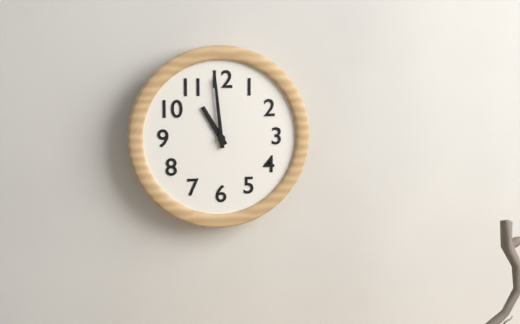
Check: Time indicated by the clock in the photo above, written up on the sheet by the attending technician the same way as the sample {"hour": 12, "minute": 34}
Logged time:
{"hour": 10, "minute": 59}
